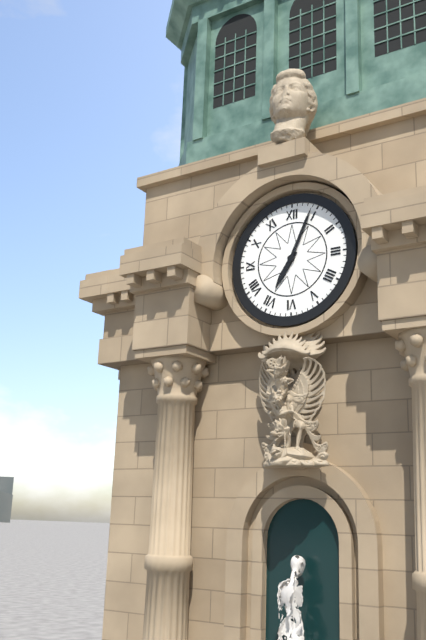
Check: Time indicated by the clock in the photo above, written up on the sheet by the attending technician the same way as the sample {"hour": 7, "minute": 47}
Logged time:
{"hour": 7, "minute": 4}
